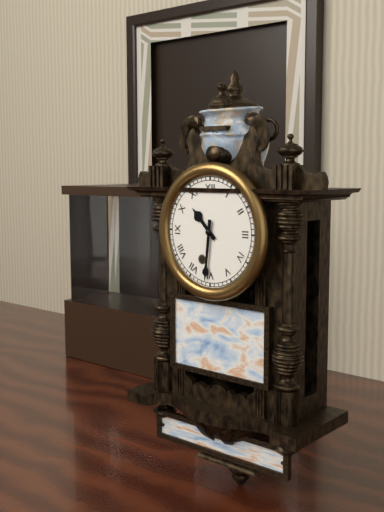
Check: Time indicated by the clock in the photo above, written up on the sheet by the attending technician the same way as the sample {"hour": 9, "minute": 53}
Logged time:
{"hour": 10, "minute": 31}
